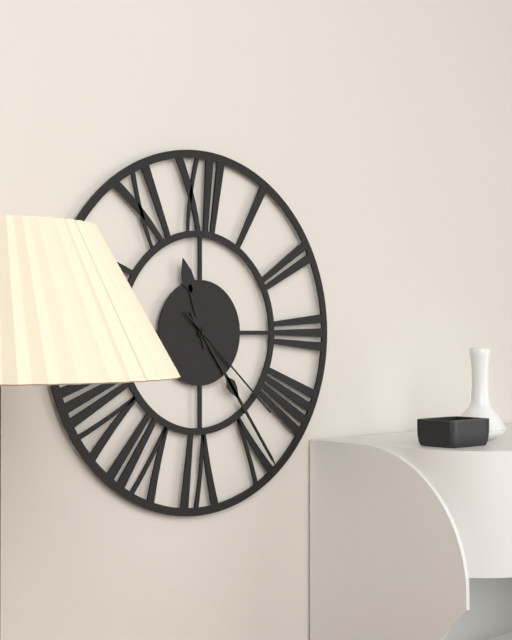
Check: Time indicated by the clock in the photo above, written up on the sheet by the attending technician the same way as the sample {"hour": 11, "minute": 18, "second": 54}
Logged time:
{"hour": 11, "minute": 24, "second": 22}
